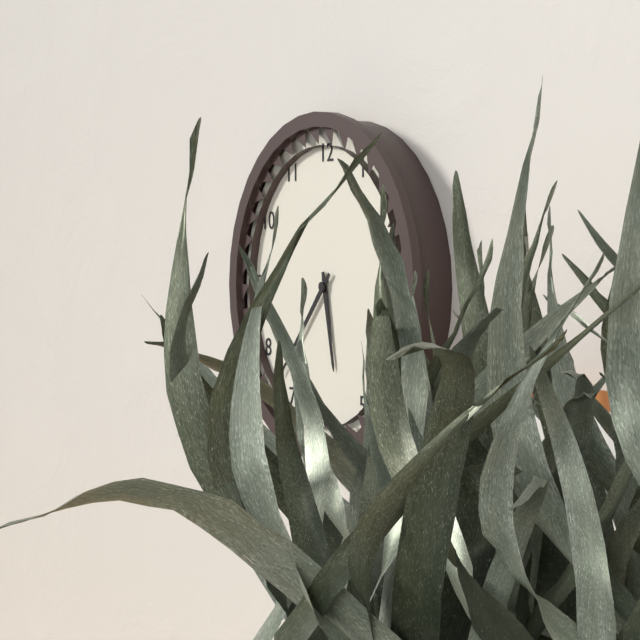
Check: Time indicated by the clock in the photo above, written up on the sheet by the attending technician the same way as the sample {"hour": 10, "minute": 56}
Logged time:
{"hour": 5, "minute": 37}
